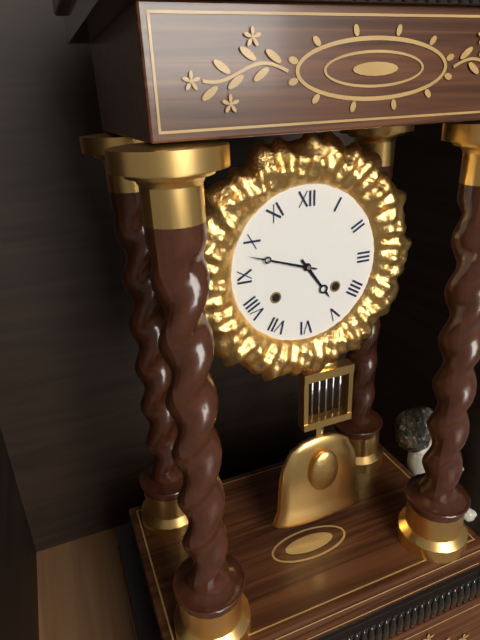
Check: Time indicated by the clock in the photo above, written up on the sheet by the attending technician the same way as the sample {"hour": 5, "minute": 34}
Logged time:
{"hour": 4, "minute": 48}
